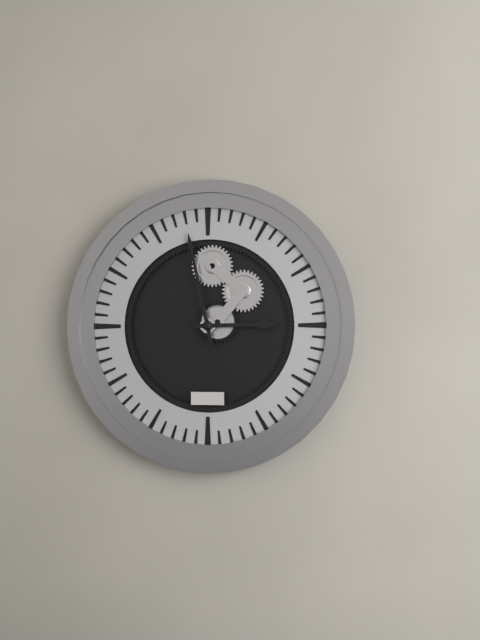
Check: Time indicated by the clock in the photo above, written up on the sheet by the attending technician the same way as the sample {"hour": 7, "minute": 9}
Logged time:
{"hour": 2, "minute": 58}
